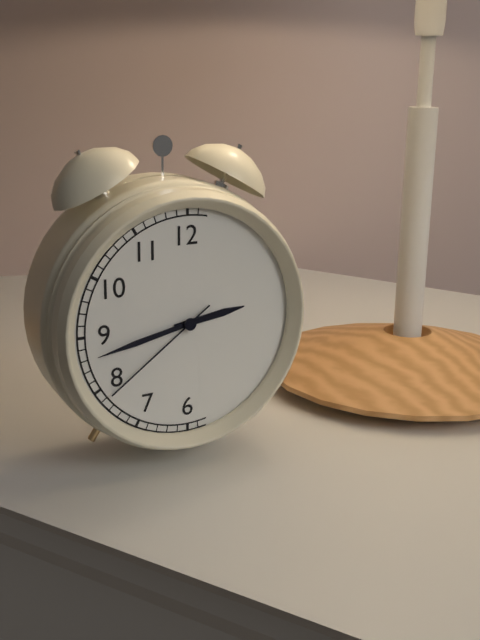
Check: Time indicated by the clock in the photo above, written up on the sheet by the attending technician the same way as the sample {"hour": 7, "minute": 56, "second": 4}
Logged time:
{"hour": 2, "minute": 43, "second": 39}
